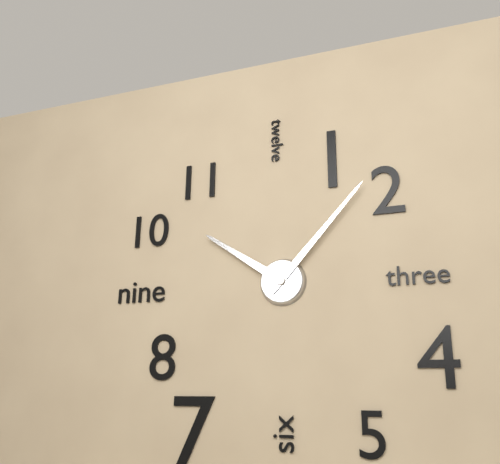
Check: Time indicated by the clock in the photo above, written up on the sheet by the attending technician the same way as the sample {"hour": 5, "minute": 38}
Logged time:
{"hour": 10, "minute": 7}
